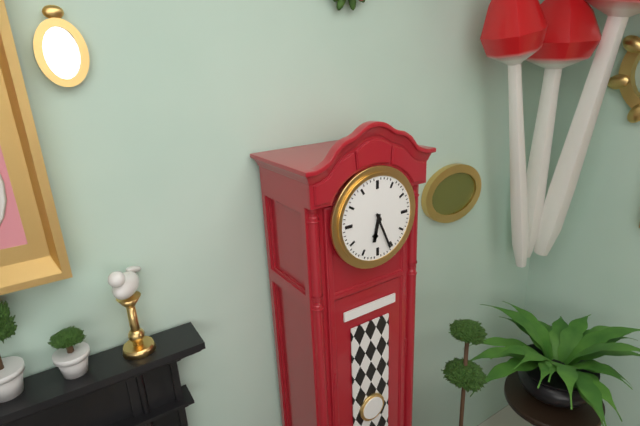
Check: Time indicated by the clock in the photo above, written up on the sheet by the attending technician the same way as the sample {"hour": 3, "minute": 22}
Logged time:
{"hour": 6, "minute": 26}
